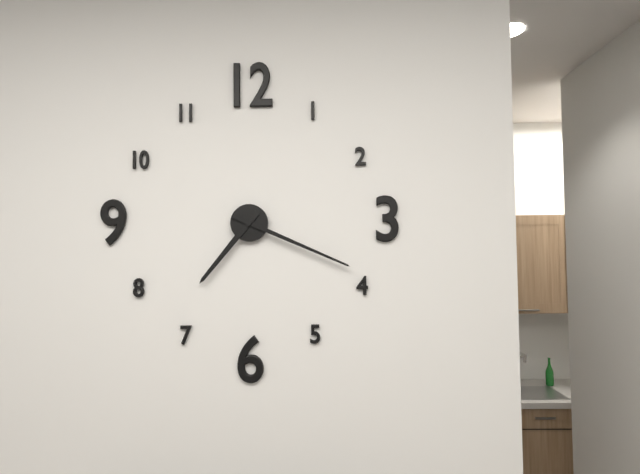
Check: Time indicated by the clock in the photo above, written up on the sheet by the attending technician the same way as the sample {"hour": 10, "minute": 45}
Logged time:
{"hour": 7, "minute": 19}
